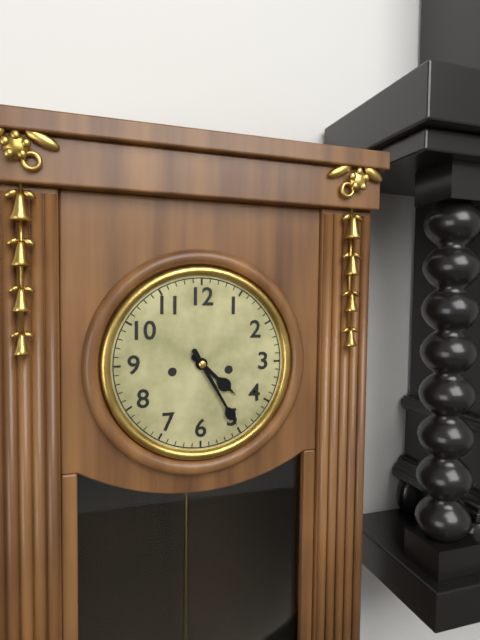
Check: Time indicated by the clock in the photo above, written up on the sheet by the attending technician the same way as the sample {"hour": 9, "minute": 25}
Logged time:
{"hour": 4, "minute": 25}
